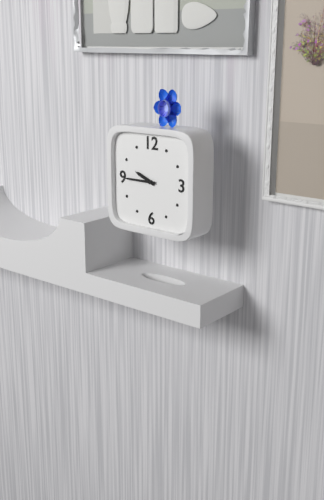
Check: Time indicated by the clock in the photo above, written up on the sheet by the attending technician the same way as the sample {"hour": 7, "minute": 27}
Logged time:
{"hour": 9, "minute": 45}
